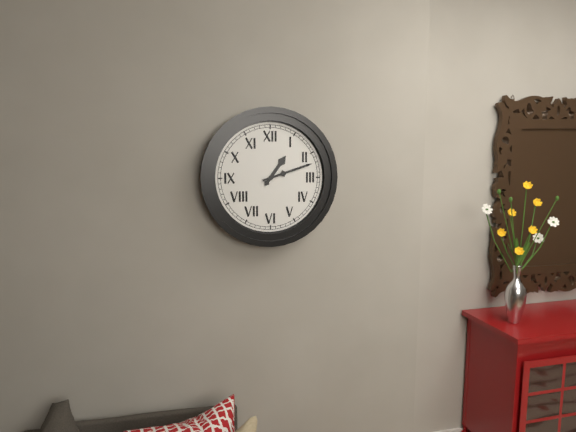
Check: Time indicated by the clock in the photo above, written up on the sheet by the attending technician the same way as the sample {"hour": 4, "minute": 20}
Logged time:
{"hour": 1, "minute": 12}
